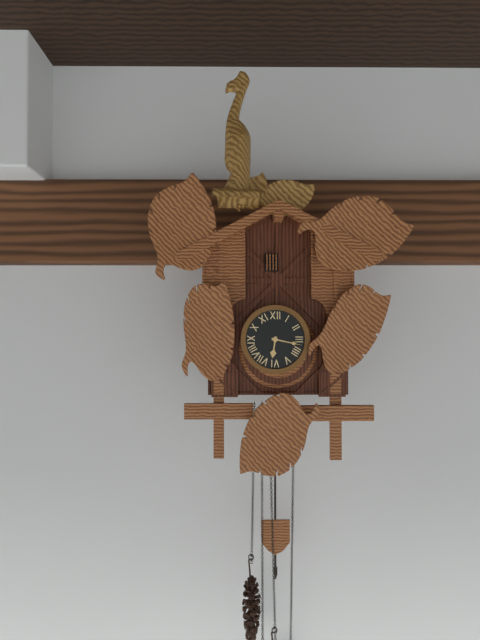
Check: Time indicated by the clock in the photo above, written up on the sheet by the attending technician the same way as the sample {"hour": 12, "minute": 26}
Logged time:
{"hour": 6, "minute": 17}
